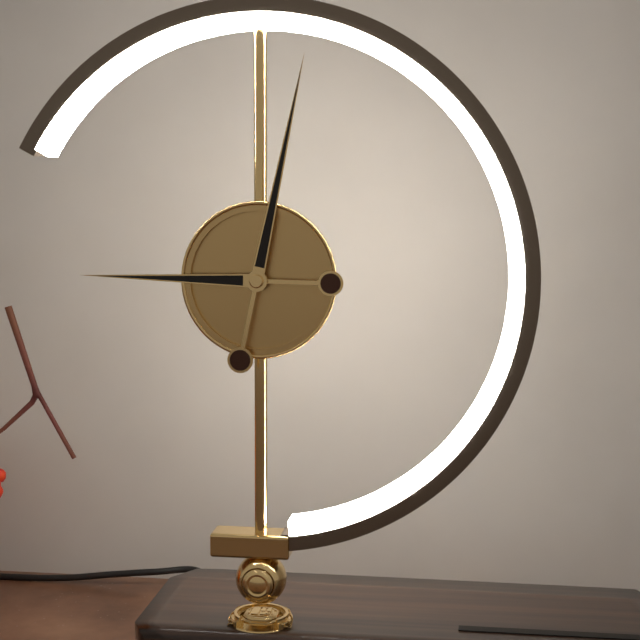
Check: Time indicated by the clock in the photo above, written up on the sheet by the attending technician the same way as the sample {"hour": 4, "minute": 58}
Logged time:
{"hour": 9, "minute": 2}
